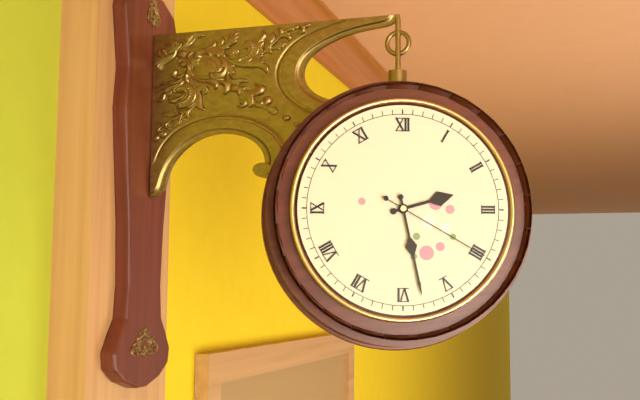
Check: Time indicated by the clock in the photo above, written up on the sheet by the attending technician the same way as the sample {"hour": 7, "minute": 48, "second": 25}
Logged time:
{"hour": 2, "minute": 28, "second": 20}
